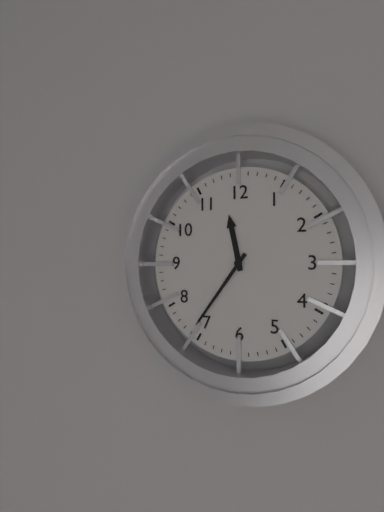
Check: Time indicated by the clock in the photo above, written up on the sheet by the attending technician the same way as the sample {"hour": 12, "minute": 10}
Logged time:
{"hour": 11, "minute": 36}
